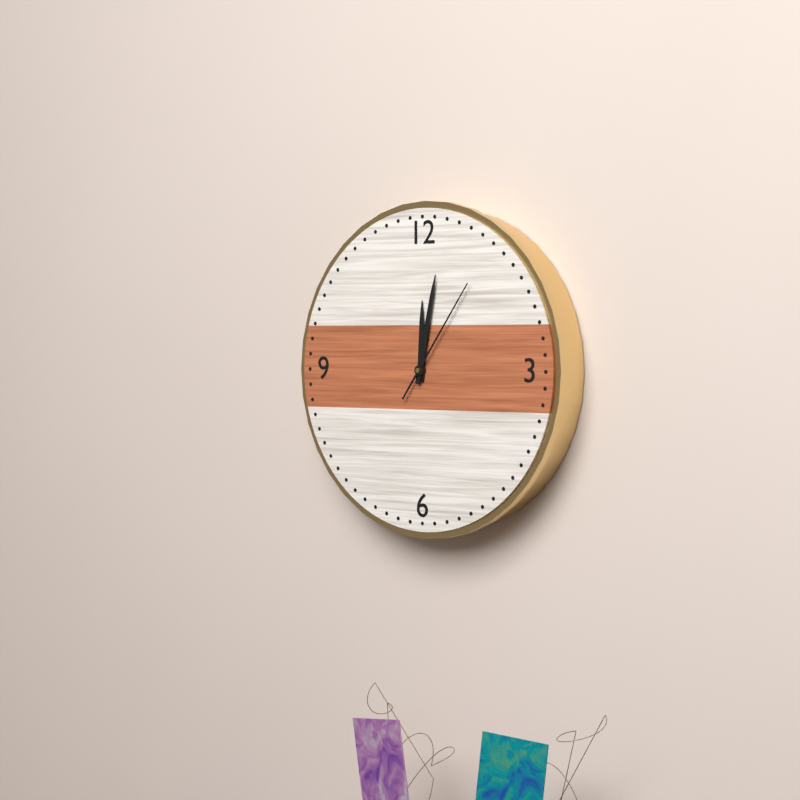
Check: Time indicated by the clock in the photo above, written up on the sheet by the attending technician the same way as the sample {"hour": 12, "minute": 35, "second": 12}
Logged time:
{"hour": 12, "minute": 2, "second": 6}
